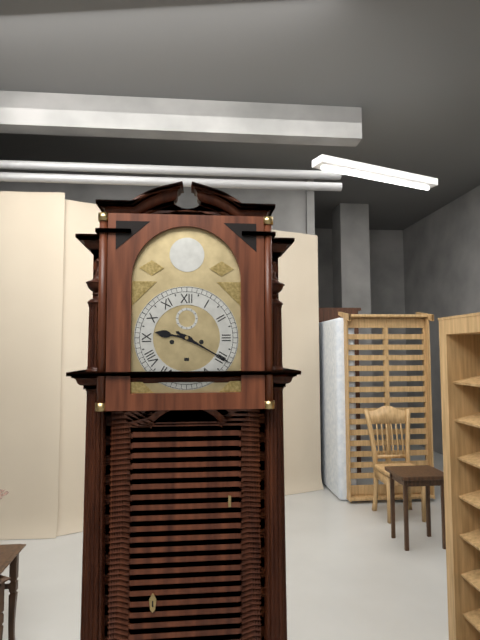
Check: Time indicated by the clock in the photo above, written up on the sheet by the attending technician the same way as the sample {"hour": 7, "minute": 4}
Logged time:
{"hour": 9, "minute": 20}
